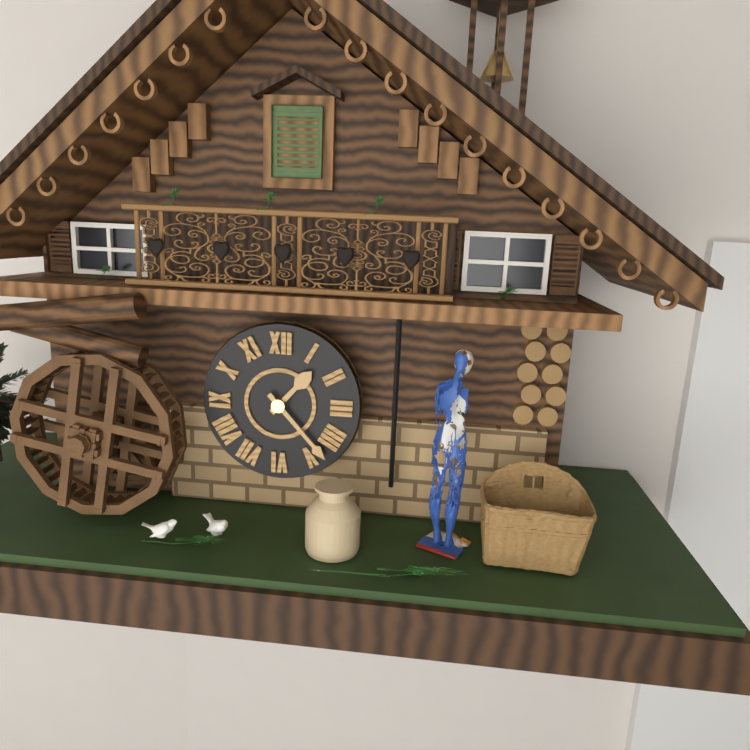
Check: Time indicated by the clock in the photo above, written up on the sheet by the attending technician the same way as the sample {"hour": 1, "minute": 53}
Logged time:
{"hour": 1, "minute": 23}
